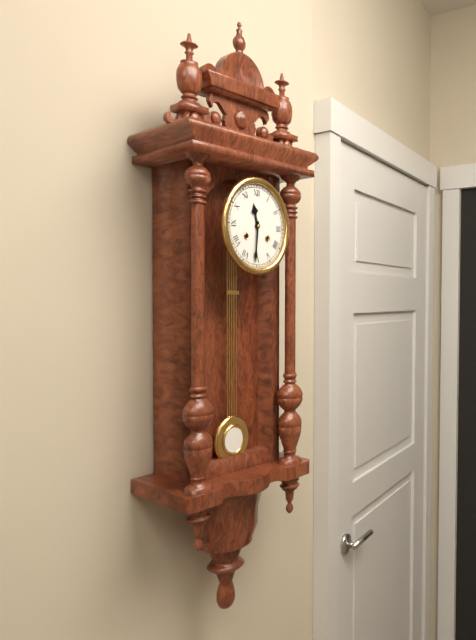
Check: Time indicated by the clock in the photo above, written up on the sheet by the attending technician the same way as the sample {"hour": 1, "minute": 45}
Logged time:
{"hour": 11, "minute": 31}
